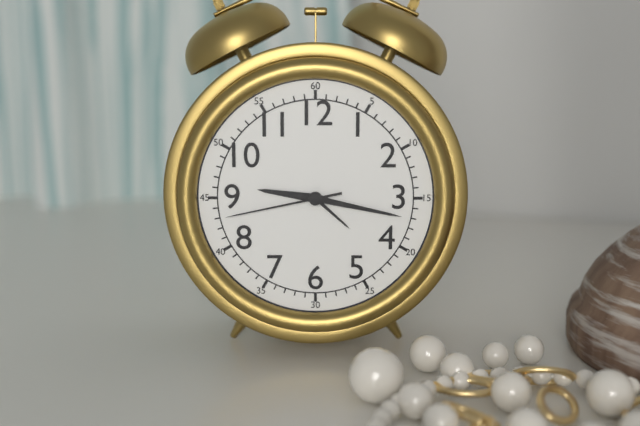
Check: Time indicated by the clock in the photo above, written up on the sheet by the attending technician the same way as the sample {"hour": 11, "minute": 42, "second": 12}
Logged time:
{"hour": 9, "minute": 17, "second": 43}
